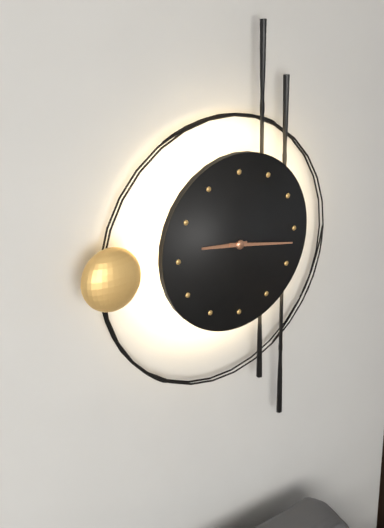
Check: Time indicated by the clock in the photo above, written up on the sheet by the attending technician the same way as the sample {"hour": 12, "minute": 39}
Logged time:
{"hour": 9, "minute": 17}
